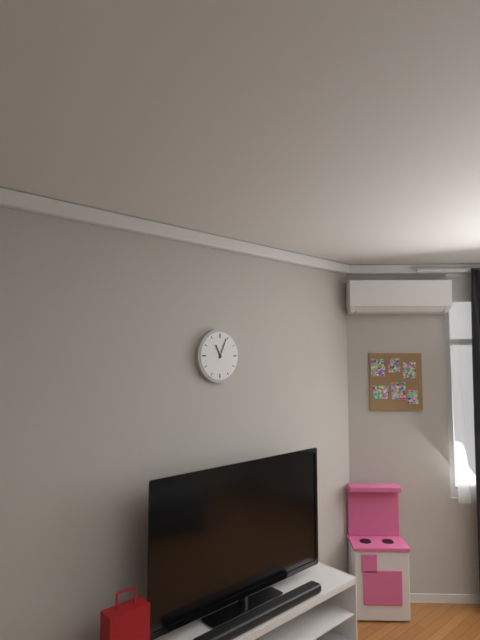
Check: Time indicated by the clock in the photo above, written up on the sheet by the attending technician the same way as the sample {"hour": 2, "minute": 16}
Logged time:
{"hour": 11, "minute": 4}
